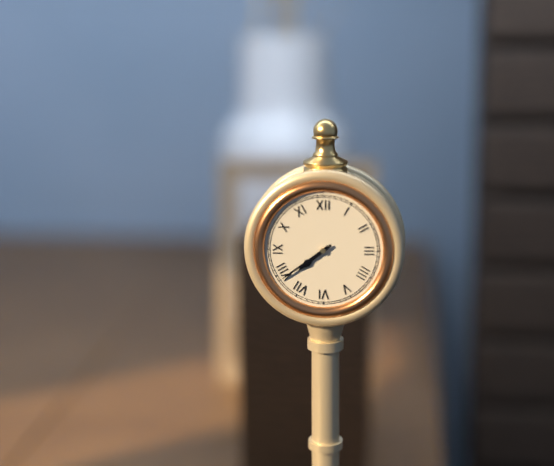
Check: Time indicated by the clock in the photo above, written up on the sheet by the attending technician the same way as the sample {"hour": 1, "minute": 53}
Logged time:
{"hour": 7, "minute": 39}
